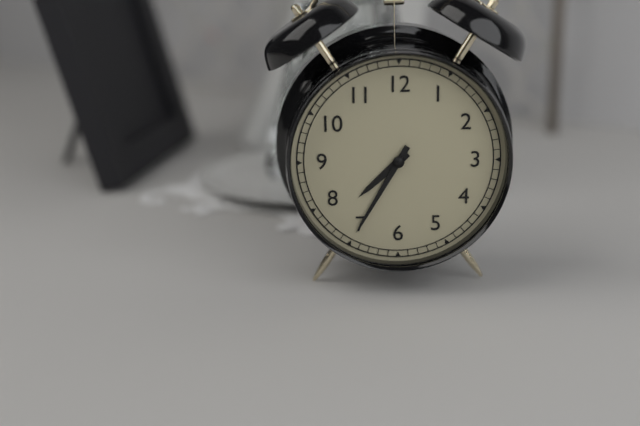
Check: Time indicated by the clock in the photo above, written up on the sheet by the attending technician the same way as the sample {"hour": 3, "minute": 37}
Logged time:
{"hour": 7, "minute": 35}
